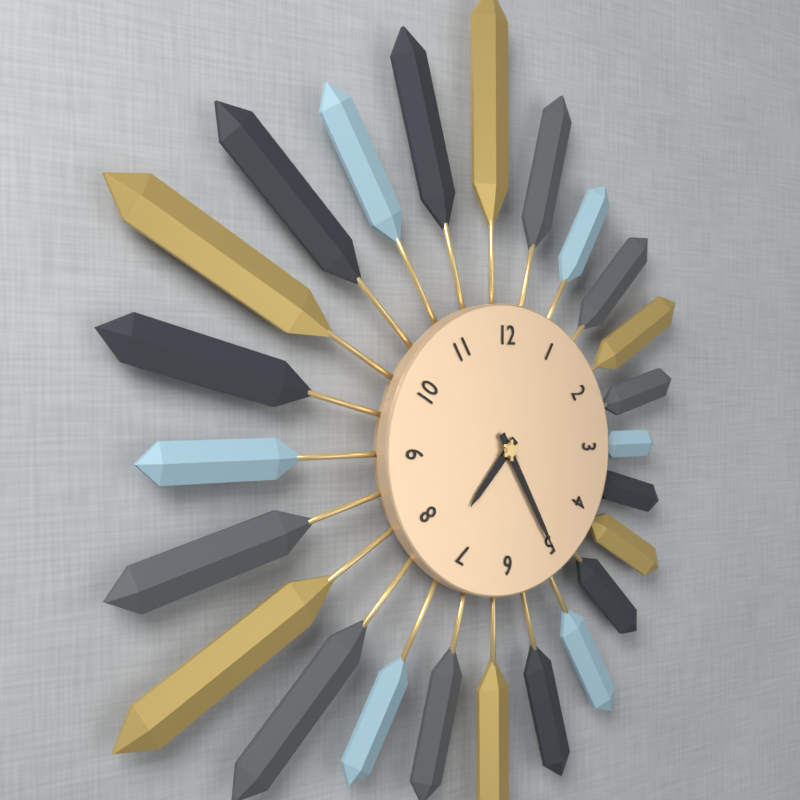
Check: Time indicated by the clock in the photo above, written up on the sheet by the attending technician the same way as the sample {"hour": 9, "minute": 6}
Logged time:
{"hour": 7, "minute": 25}
